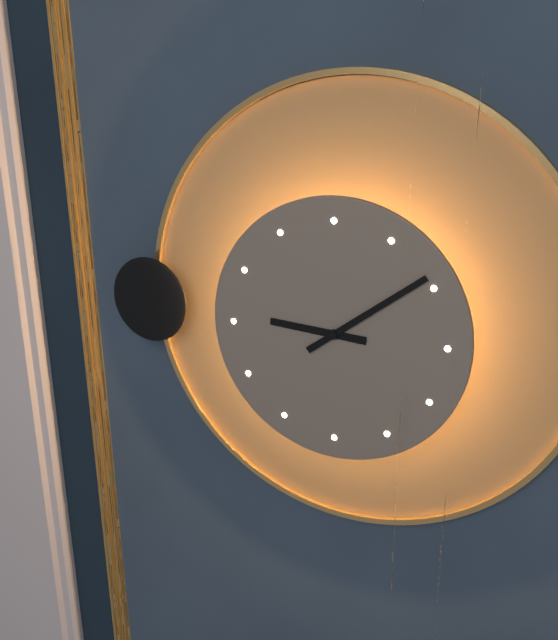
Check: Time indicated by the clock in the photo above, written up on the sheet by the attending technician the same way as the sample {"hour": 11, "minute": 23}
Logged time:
{"hour": 9, "minute": 9}
